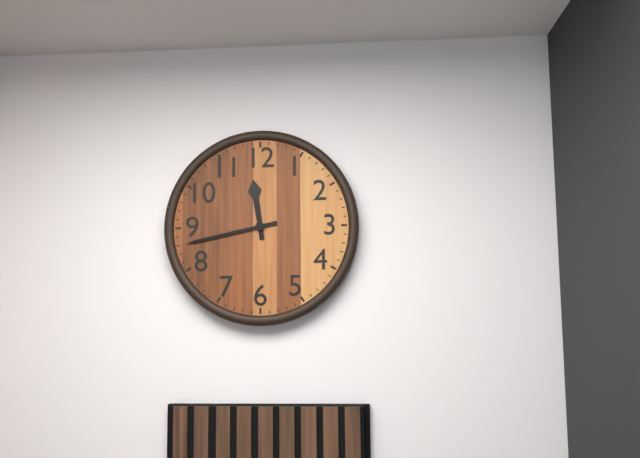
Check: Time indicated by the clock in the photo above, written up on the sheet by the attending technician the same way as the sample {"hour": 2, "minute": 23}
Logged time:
{"hour": 11, "minute": 43}
